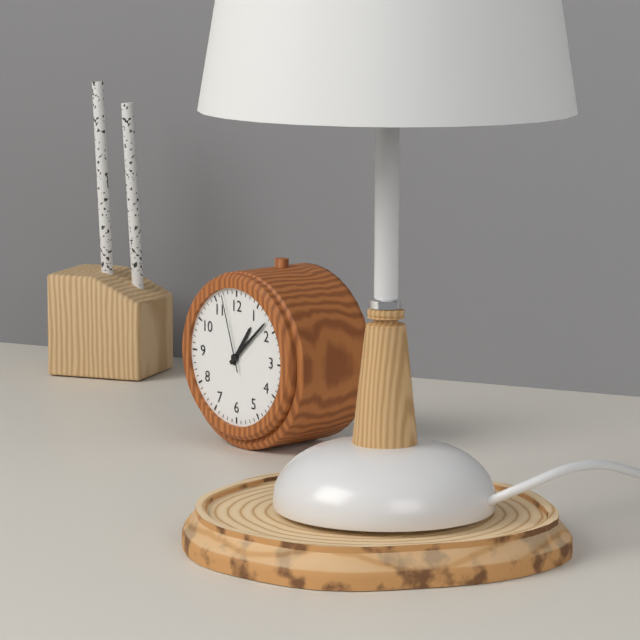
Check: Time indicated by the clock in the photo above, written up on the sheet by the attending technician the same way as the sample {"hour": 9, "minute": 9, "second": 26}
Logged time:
{"hour": 1, "minute": 8, "second": 57}
